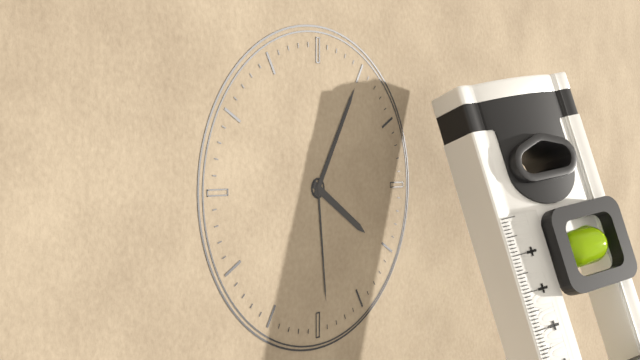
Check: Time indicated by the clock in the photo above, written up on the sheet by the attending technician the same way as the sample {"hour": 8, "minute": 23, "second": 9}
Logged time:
{"hour": 4, "minute": 5, "second": 29}
